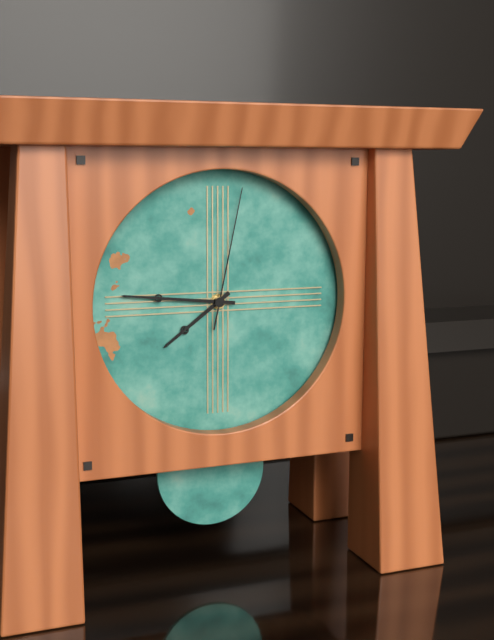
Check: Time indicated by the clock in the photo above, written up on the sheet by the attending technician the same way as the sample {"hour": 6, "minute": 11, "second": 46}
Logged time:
{"hour": 7, "minute": 46, "second": 2}
